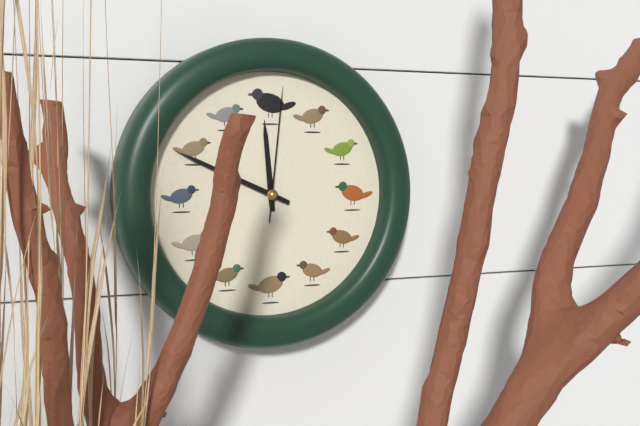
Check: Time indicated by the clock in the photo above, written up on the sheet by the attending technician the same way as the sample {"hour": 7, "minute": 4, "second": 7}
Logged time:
{"hour": 11, "minute": 49, "second": 1}
